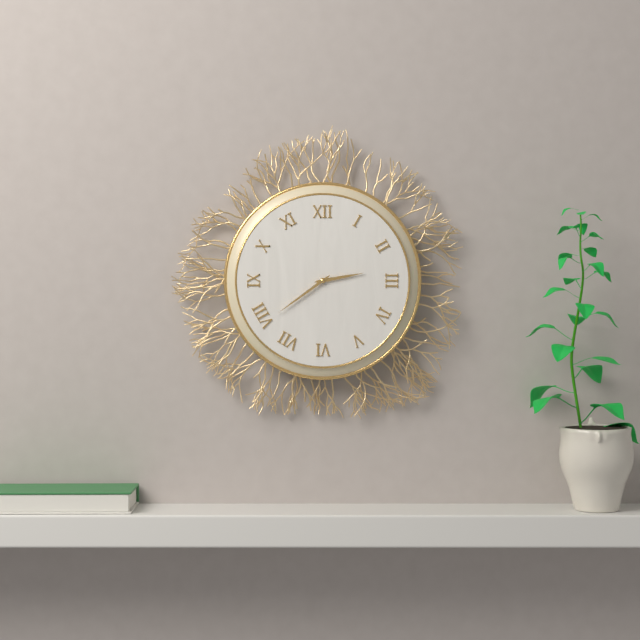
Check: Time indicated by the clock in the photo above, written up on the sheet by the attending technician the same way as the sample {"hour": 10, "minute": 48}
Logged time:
{"hour": 2, "minute": 39}
